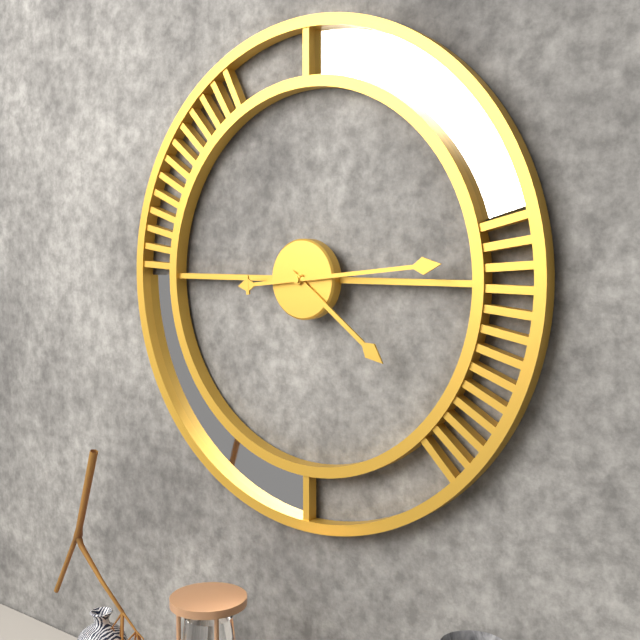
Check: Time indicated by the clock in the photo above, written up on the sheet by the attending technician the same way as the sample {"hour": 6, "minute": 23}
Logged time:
{"hour": 4, "minute": 14}
